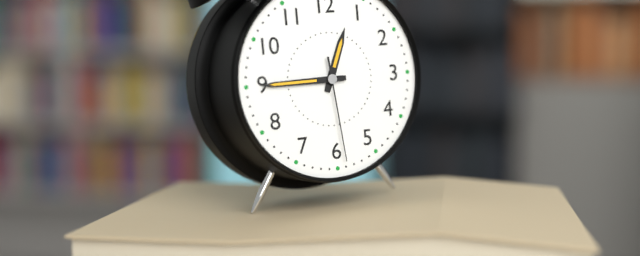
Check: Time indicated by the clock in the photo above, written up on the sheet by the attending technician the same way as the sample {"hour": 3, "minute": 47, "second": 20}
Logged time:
{"hour": 12, "minute": 45, "second": 29}
